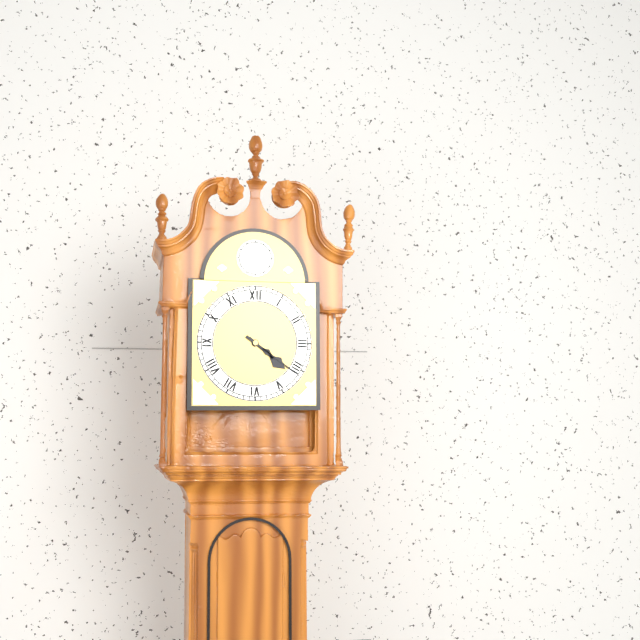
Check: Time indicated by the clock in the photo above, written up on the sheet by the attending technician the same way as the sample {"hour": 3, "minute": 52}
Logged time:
{"hour": 4, "minute": 21}
